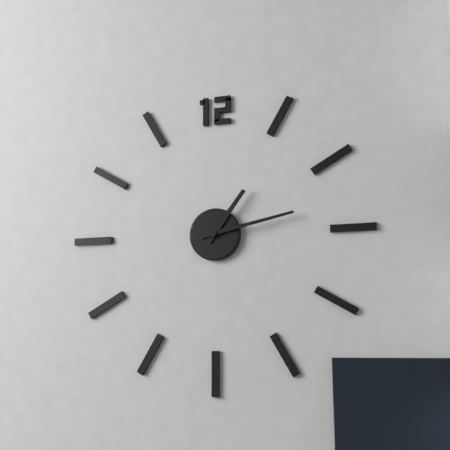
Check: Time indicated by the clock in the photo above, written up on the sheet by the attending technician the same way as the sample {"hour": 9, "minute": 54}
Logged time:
{"hour": 1, "minute": 13}
